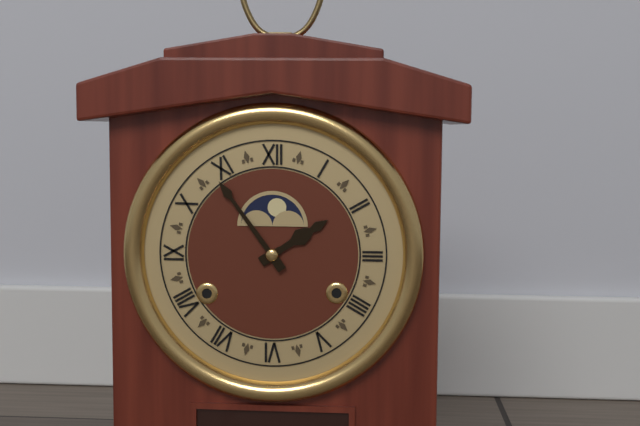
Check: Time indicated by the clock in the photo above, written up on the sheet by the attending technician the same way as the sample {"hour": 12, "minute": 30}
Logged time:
{"hour": 1, "minute": 54}
